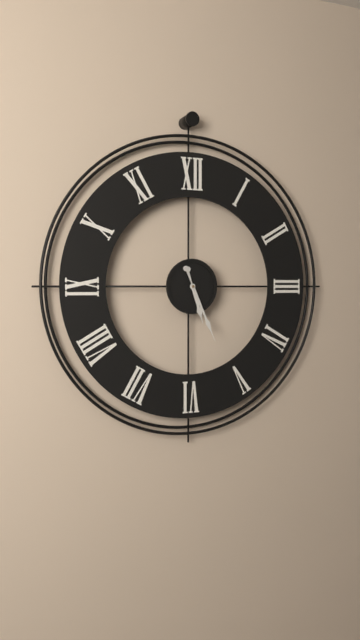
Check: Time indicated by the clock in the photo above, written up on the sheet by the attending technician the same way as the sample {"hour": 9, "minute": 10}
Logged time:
{"hour": 5, "minute": 26}
